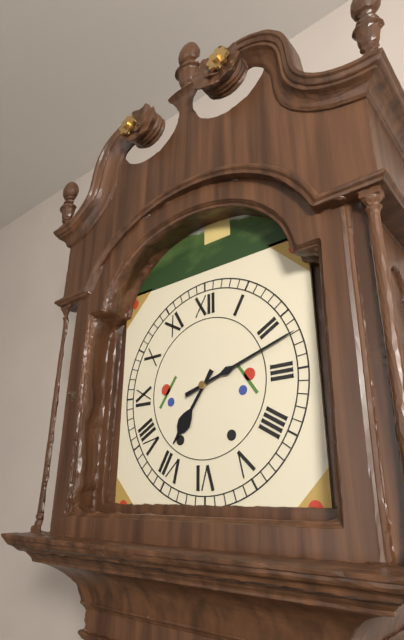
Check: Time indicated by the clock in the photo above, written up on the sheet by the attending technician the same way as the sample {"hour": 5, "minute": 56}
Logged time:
{"hour": 7, "minute": 12}
